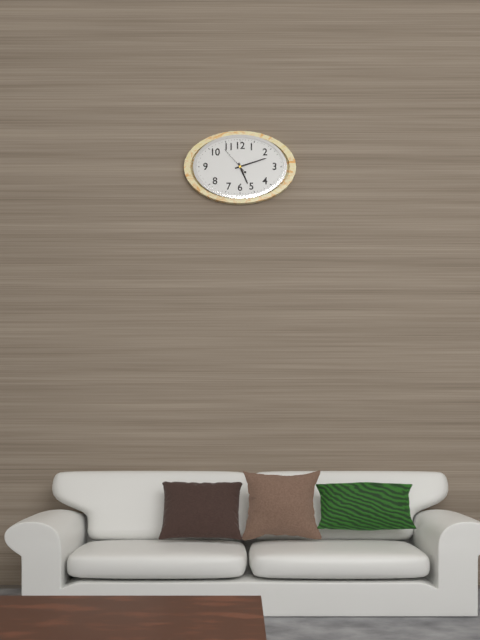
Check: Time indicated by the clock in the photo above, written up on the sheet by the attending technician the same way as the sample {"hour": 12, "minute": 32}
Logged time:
{"hour": 5, "minute": 12}
